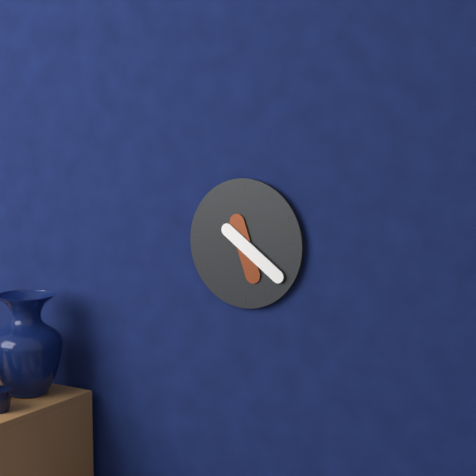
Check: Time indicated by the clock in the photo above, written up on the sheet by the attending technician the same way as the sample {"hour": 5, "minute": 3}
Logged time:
{"hour": 5, "minute": 21}
